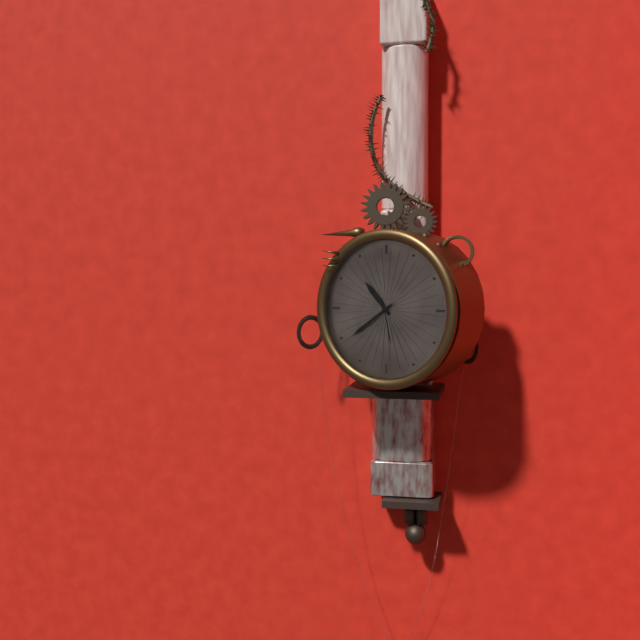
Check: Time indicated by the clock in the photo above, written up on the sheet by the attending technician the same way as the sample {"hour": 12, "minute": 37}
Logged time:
{"hour": 10, "minute": 39}
